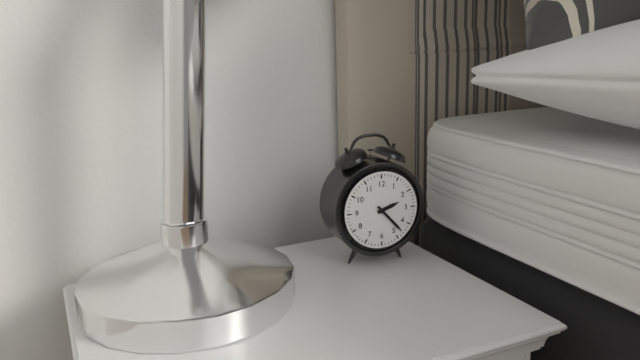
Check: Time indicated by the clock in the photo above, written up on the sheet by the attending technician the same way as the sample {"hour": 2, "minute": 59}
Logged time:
{"hour": 2, "minute": 23}
